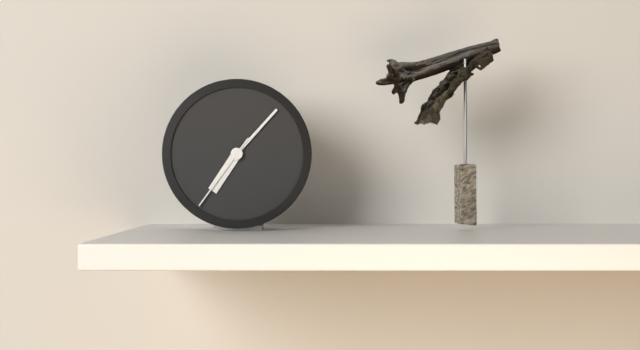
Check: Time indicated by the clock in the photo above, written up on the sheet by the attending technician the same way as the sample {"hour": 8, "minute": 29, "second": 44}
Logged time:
{"hour": 7, "minute": 7, "second": 36}
